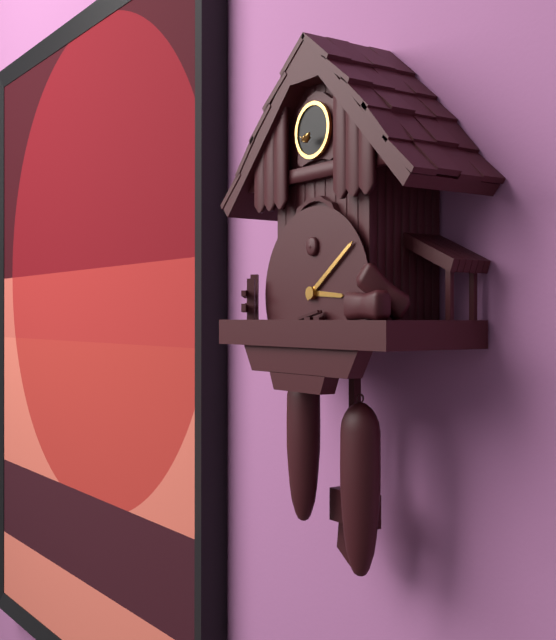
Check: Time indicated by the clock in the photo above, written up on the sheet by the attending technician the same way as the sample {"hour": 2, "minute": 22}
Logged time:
{"hour": 3, "minute": 9}
